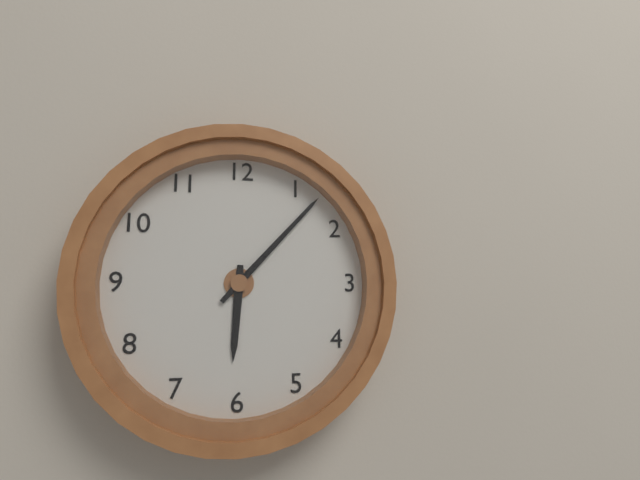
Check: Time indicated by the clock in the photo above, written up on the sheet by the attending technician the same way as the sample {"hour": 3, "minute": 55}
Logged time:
{"hour": 6, "minute": 7}
